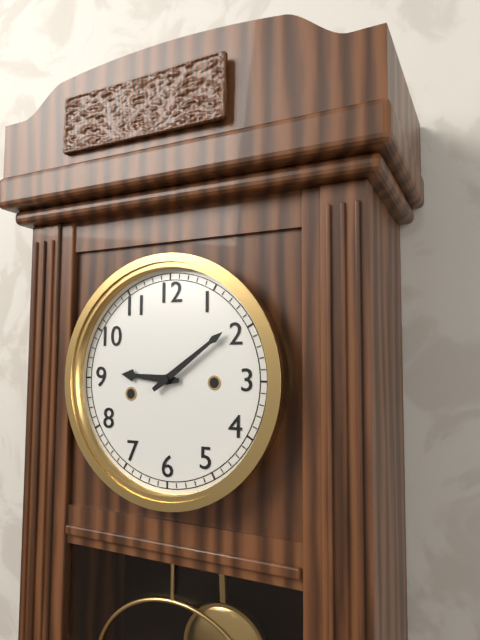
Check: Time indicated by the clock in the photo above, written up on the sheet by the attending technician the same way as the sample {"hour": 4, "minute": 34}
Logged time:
{"hour": 9, "minute": 9}
